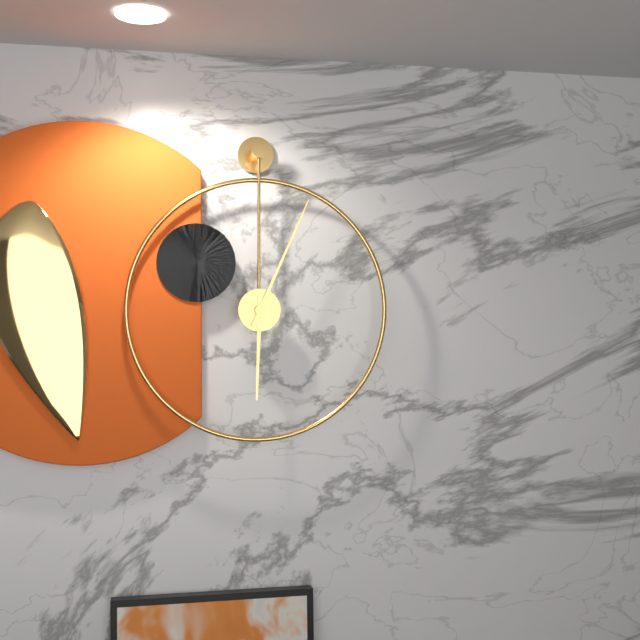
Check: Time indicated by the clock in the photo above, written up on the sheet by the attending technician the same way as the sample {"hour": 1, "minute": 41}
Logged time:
{"hour": 6, "minute": 4}
